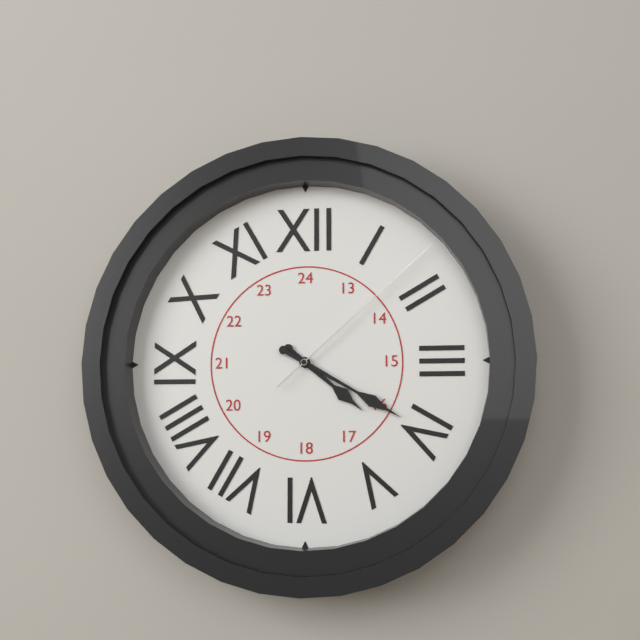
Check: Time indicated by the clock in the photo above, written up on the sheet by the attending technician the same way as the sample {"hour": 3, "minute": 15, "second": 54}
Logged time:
{"hour": 4, "minute": 20, "second": 8}
